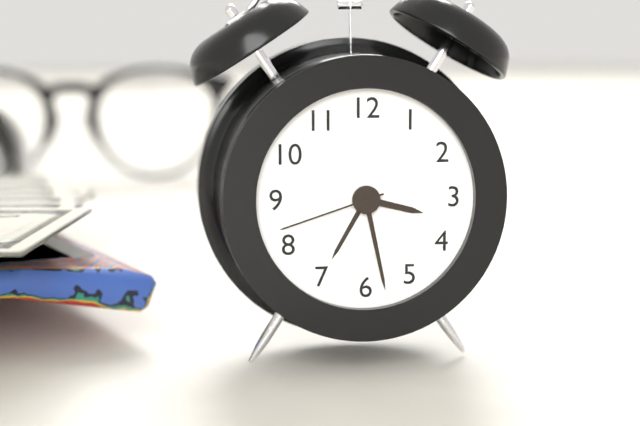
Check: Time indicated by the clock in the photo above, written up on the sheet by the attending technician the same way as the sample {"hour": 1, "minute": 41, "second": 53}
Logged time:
{"hour": 3, "minute": 28, "second": 42}
